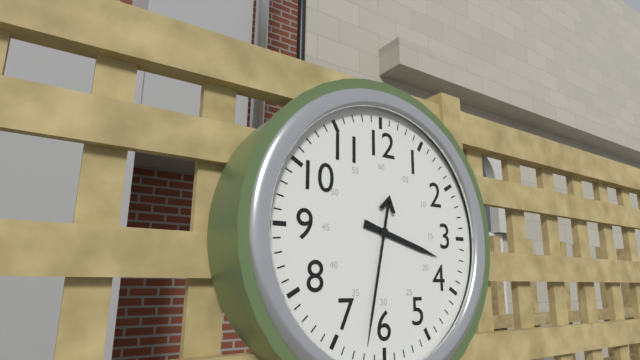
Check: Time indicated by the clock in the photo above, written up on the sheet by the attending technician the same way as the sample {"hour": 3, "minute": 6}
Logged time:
{"hour": 3, "minute": 32}
